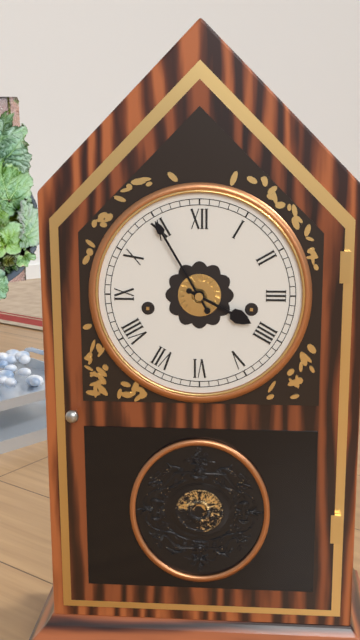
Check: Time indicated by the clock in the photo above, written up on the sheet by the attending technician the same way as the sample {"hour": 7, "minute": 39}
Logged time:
{"hour": 3, "minute": 55}
